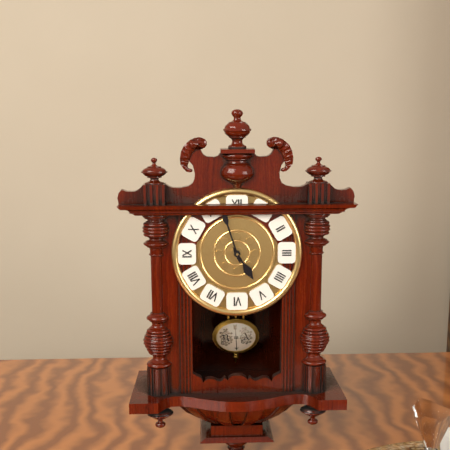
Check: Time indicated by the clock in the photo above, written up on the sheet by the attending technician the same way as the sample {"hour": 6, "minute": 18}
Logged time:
{"hour": 4, "minute": 57}
